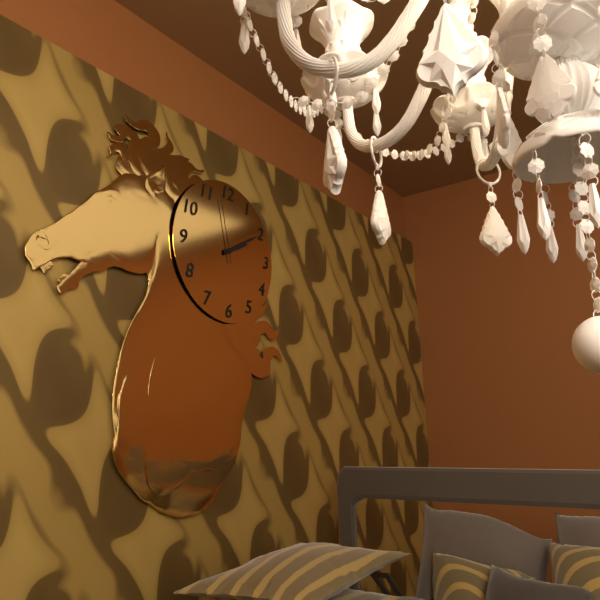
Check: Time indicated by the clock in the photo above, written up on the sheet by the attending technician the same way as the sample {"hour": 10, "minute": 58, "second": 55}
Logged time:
{"hour": 2, "minute": 10, "second": 58}
